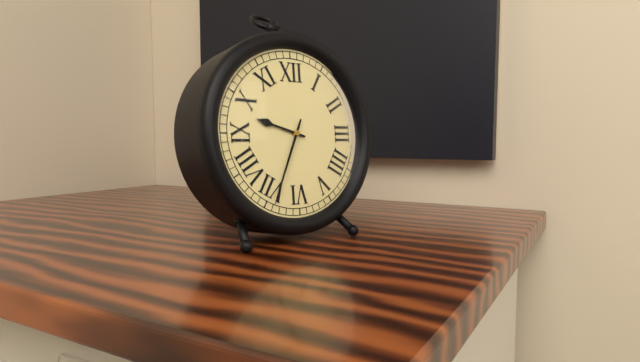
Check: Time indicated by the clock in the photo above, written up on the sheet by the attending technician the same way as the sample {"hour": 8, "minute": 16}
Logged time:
{"hour": 9, "minute": 34}
